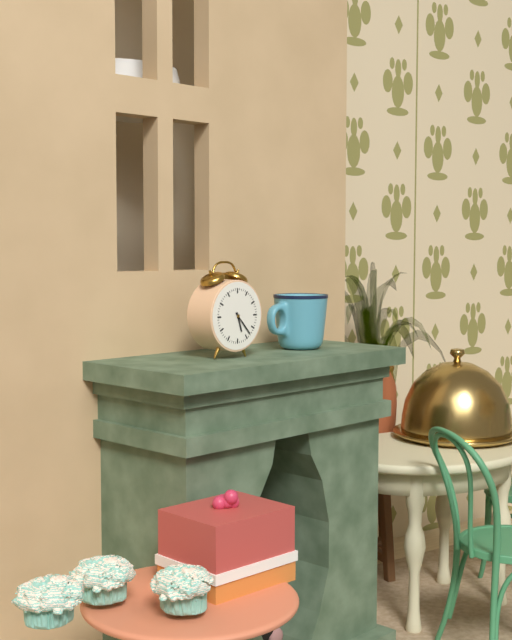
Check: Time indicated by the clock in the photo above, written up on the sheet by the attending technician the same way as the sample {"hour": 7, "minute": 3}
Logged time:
{"hour": 5, "minute": 23}
